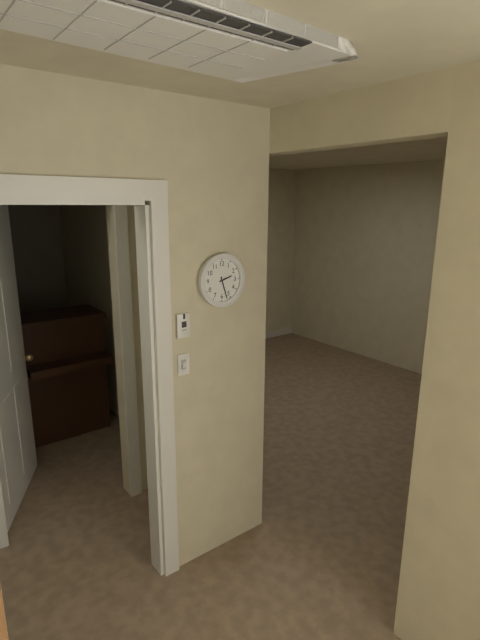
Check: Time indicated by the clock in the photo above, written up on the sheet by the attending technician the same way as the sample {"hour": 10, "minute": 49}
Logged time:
{"hour": 2, "minute": 27}
